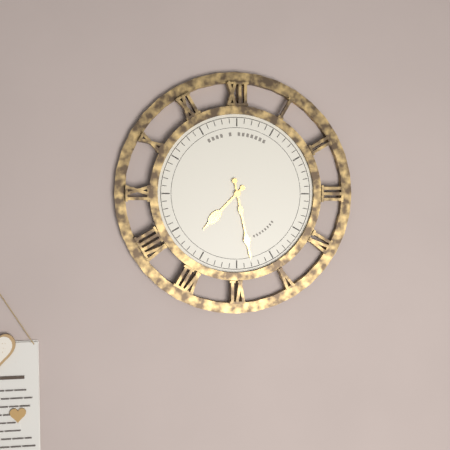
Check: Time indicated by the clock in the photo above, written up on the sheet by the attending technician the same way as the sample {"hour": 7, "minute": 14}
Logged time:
{"hour": 7, "minute": 28}
